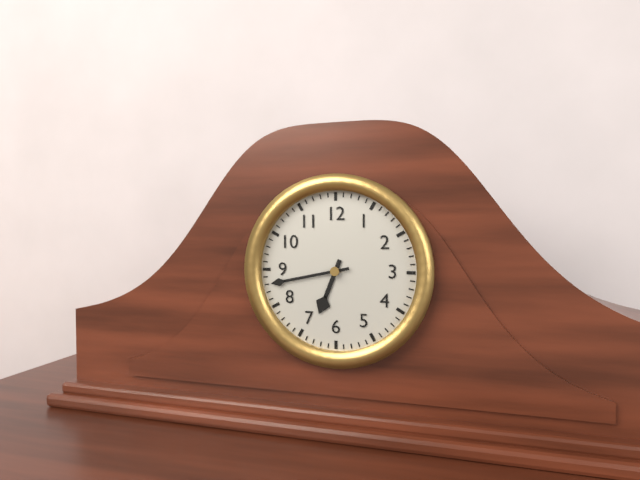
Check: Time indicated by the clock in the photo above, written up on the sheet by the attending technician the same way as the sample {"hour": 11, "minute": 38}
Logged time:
{"hour": 6, "minute": 43}
